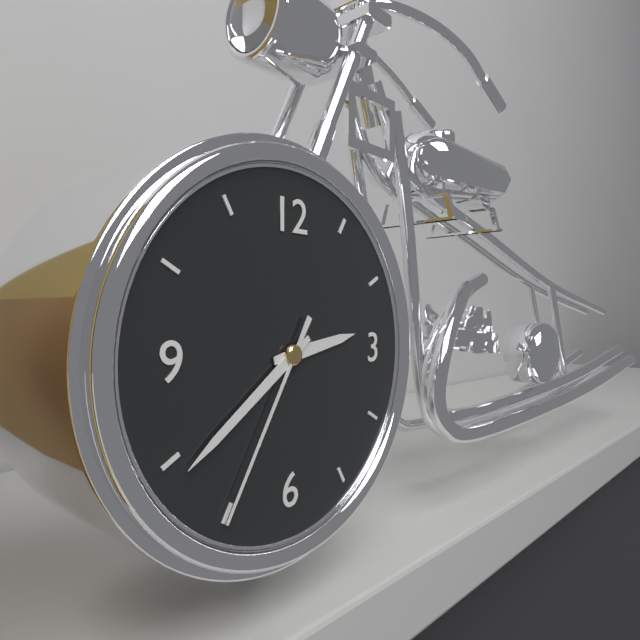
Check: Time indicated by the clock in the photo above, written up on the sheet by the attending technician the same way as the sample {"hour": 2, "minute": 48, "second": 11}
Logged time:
{"hour": 2, "minute": 39, "second": 35}
